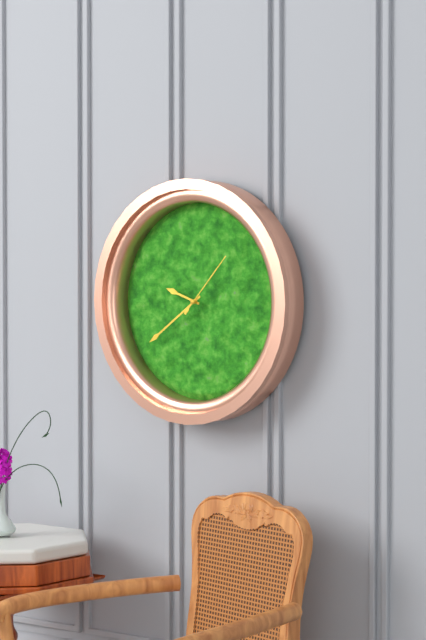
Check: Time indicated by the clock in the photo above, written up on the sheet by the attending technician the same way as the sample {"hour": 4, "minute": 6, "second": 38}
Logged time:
{"hour": 9, "minute": 39, "second": 7}
